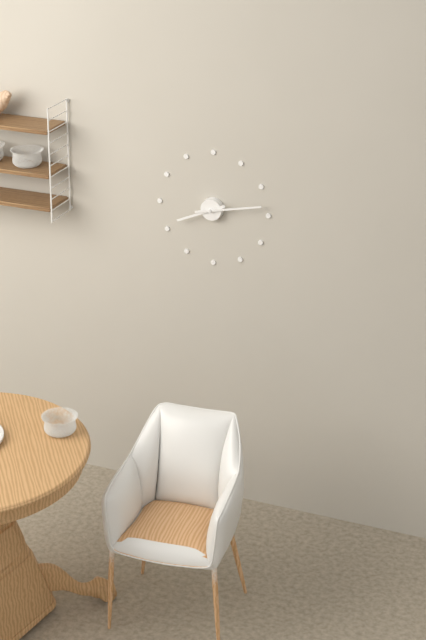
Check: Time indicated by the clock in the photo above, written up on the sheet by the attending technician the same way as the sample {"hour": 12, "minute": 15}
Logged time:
{"hour": 8, "minute": 13}
